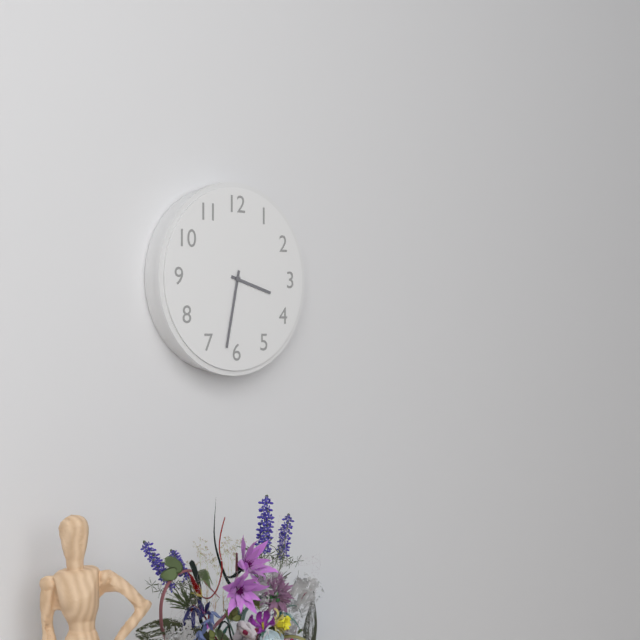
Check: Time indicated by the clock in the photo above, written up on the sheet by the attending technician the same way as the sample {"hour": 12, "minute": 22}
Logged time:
{"hour": 3, "minute": 32}
